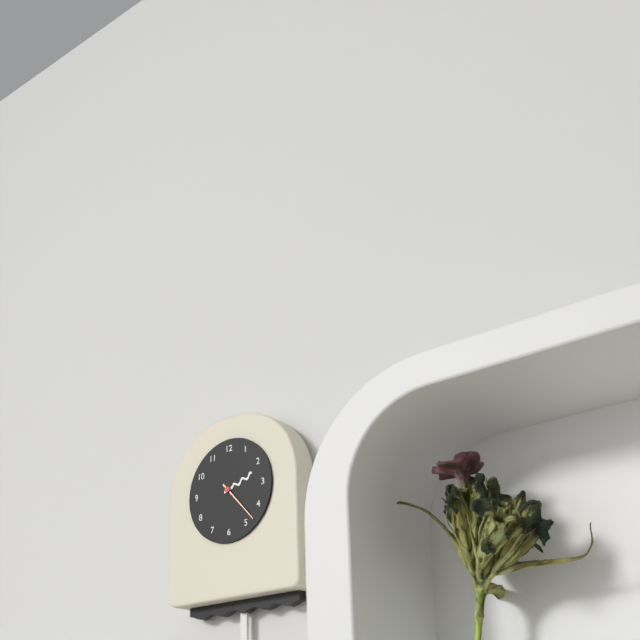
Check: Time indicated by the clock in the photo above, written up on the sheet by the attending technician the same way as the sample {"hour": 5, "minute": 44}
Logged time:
{"hour": 2, "minute": 23}
